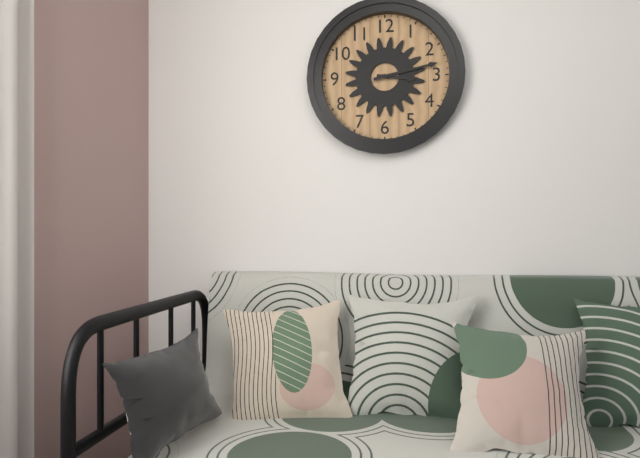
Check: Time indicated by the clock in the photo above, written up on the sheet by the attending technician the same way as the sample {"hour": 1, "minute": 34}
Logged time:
{"hour": 3, "minute": 13}
